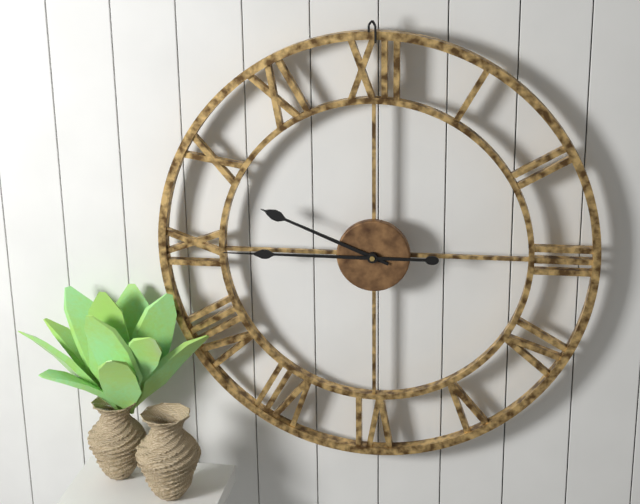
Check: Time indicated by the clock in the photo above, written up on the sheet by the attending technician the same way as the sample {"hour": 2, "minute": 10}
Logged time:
{"hour": 9, "minute": 45}
